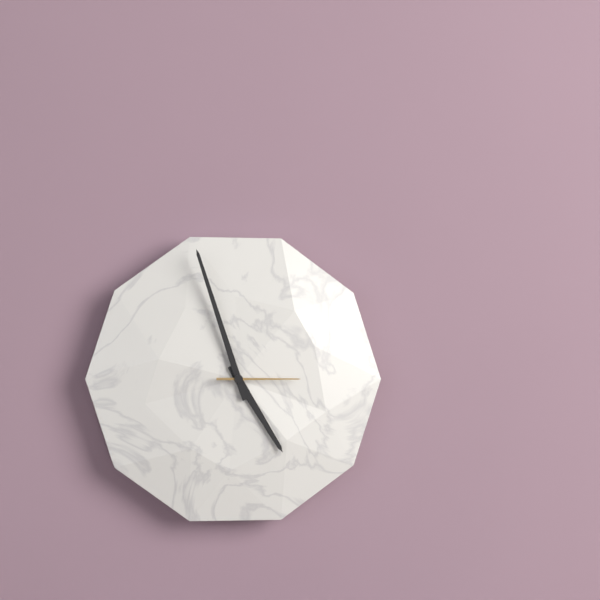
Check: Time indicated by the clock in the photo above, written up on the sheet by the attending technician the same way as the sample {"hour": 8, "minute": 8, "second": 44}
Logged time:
{"hour": 4, "minute": 57, "second": 15}
